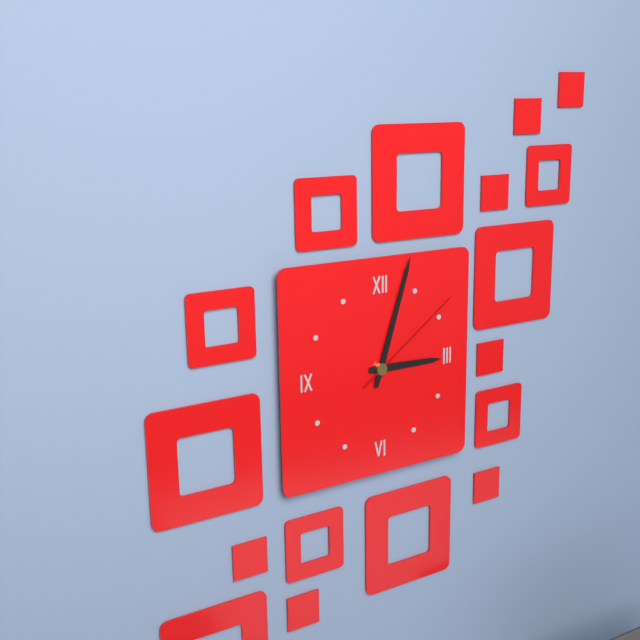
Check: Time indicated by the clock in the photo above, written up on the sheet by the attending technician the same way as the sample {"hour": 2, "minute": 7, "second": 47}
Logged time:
{"hour": 3, "minute": 3, "second": 9}
